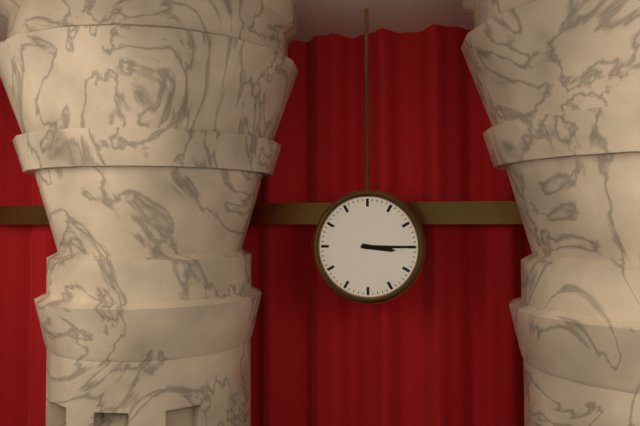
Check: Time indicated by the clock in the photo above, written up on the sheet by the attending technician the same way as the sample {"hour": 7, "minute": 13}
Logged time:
{"hour": 3, "minute": 15}
